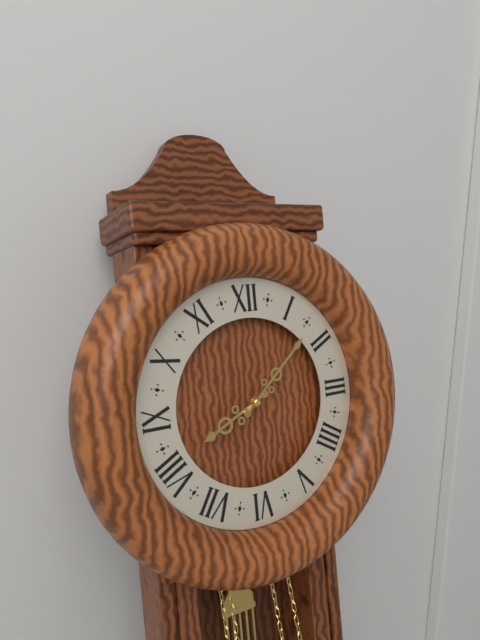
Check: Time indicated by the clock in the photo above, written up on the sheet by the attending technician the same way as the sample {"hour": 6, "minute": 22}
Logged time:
{"hour": 8, "minute": 8}
